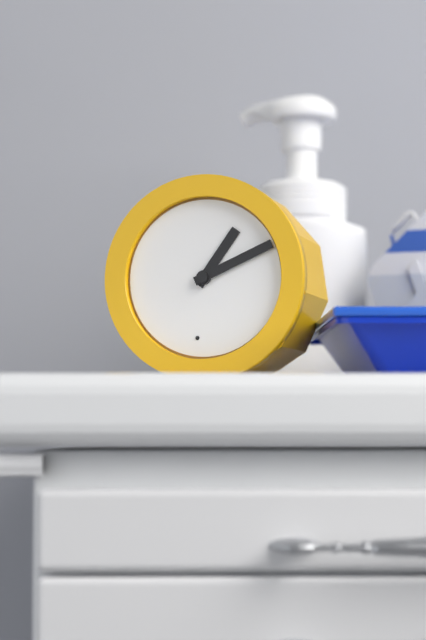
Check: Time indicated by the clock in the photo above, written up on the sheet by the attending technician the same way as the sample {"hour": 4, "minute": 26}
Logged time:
{"hour": 1, "minute": 11}
